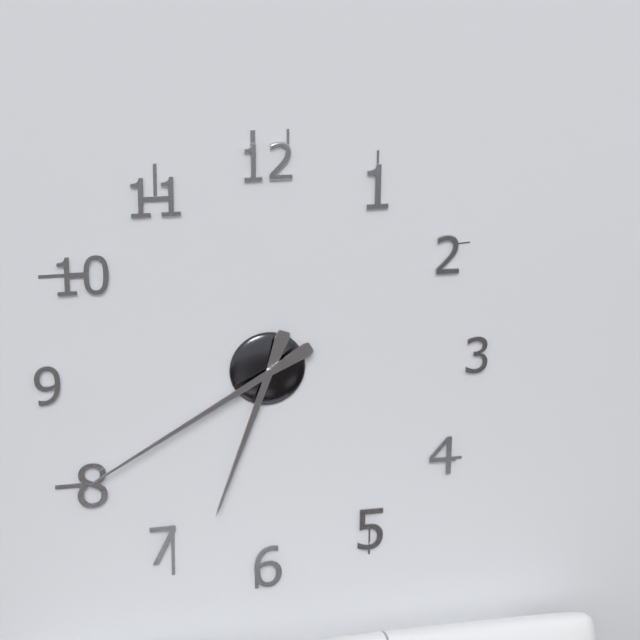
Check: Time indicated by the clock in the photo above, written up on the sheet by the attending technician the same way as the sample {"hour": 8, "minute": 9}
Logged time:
{"hour": 6, "minute": 40}
